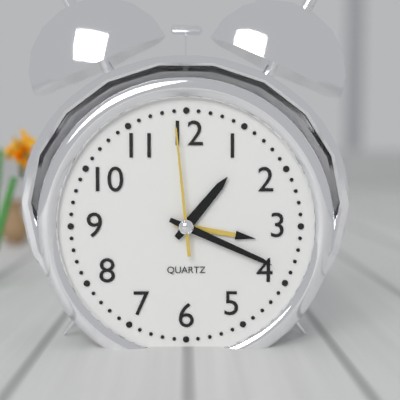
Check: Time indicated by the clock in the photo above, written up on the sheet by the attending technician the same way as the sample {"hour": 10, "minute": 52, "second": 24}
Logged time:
{"hour": 1, "minute": 19, "second": 59}
